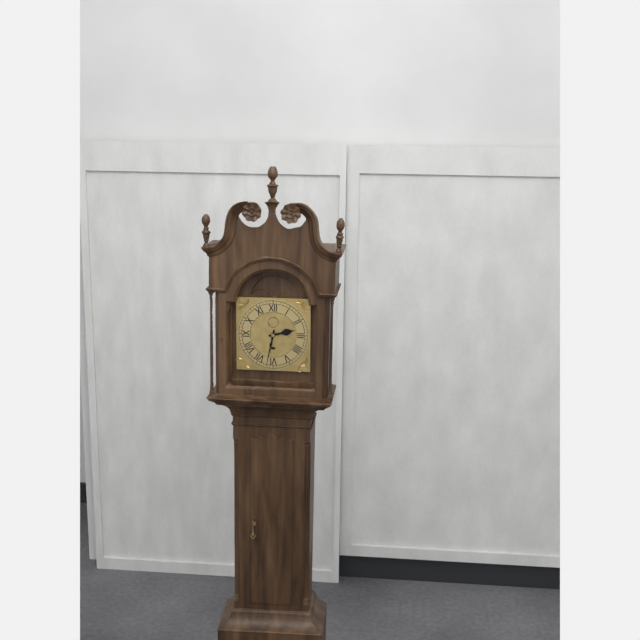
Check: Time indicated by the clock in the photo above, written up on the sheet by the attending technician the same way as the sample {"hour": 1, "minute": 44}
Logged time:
{"hour": 2, "minute": 32}
